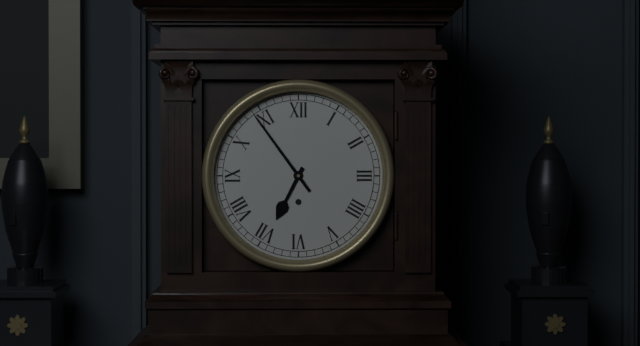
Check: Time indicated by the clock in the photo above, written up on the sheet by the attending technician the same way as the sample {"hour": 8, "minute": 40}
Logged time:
{"hour": 6, "minute": 54}
